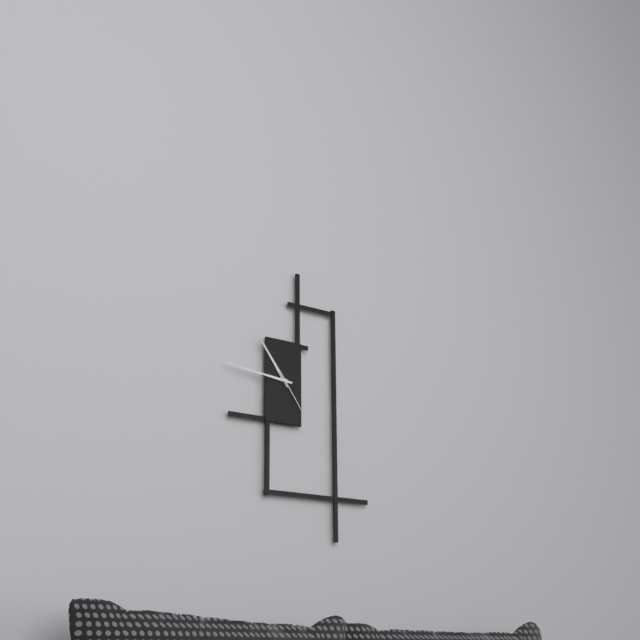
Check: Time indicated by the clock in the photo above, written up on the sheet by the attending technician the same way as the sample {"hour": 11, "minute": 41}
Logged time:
{"hour": 10, "minute": 46}
